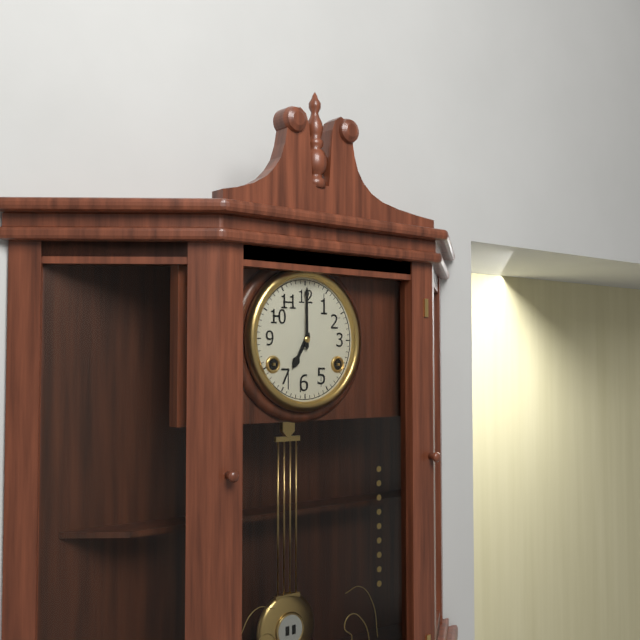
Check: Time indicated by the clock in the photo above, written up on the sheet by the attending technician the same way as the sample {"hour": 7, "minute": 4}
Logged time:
{"hour": 7, "minute": 0}
